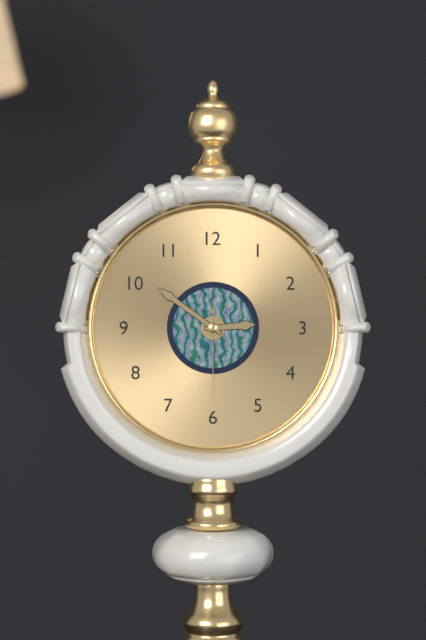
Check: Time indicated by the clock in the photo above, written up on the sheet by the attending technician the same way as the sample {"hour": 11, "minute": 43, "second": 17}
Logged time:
{"hour": 2, "minute": 51, "second": 30}
